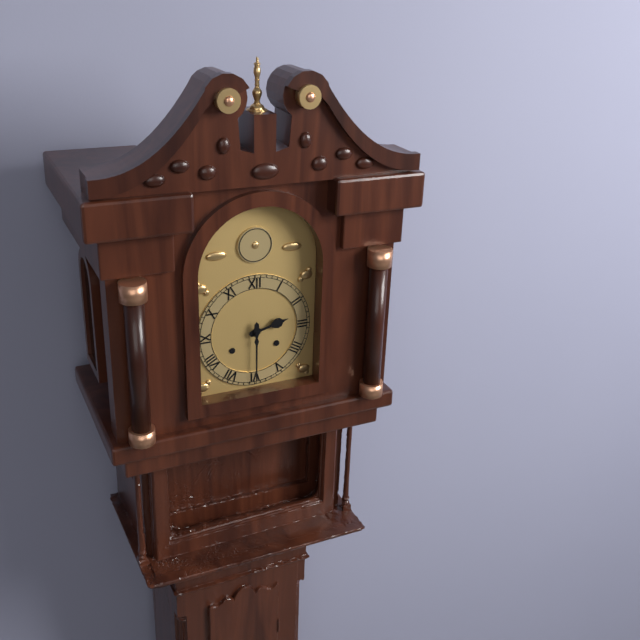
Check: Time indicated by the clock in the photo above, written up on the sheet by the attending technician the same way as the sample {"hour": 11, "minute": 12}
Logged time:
{"hour": 2, "minute": 30}
